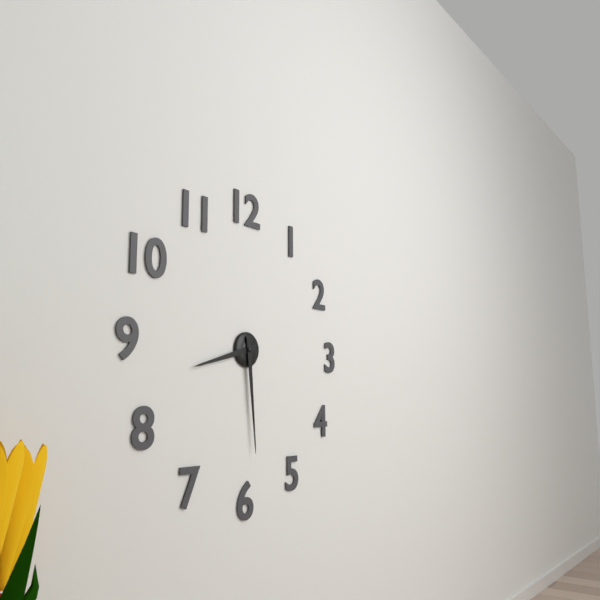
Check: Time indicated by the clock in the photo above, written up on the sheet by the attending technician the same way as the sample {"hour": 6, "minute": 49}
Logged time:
{"hour": 8, "minute": 29}
